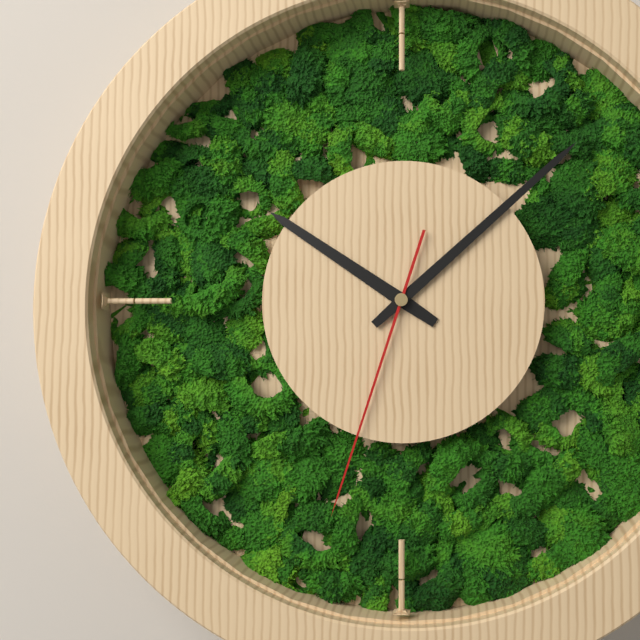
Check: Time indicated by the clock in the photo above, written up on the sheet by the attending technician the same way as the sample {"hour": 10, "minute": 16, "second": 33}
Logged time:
{"hour": 10, "minute": 8, "second": 33}
